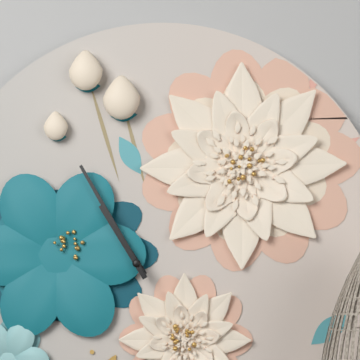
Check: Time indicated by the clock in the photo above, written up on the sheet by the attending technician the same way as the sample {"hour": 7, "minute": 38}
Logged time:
{"hour": 10, "minute": 55}
